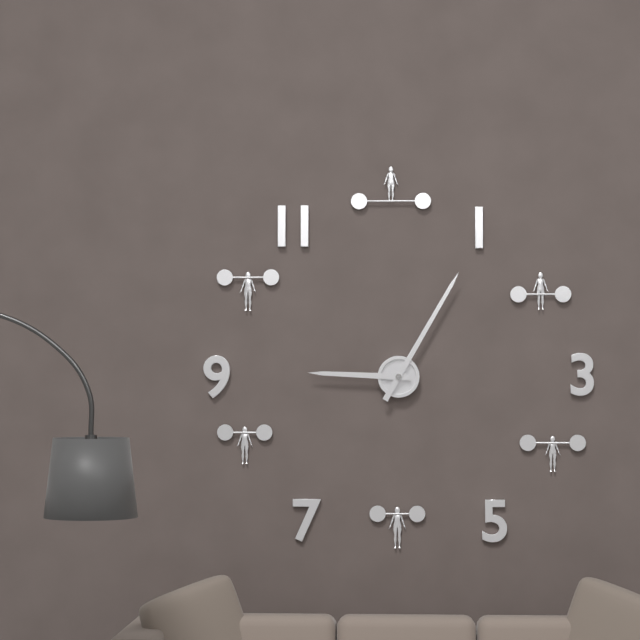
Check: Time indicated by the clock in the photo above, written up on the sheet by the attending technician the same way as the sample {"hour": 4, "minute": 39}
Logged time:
{"hour": 9, "minute": 5}
